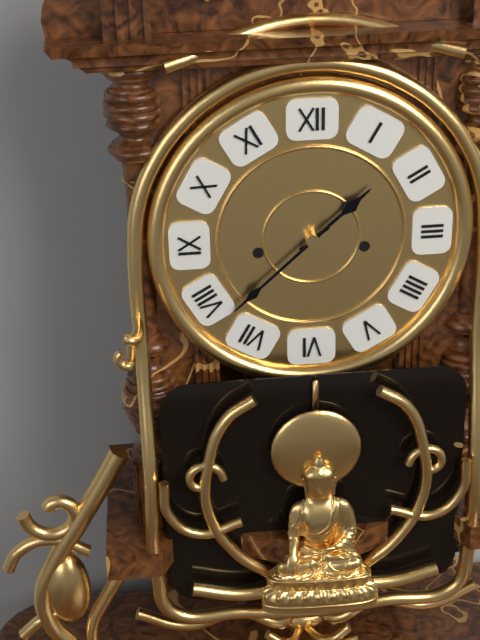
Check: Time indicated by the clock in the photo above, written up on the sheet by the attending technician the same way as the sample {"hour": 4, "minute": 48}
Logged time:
{"hour": 1, "minute": 38}
